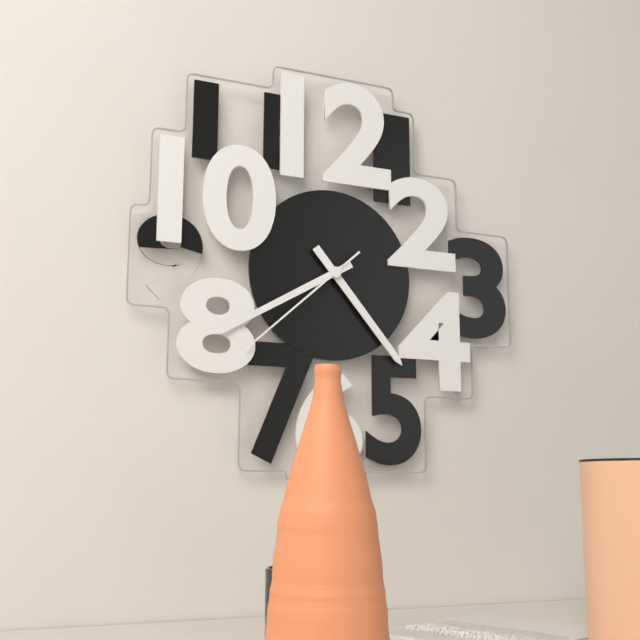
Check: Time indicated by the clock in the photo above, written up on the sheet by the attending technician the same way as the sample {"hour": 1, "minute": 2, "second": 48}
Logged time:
{"hour": 4, "minute": 40, "second": 38}
